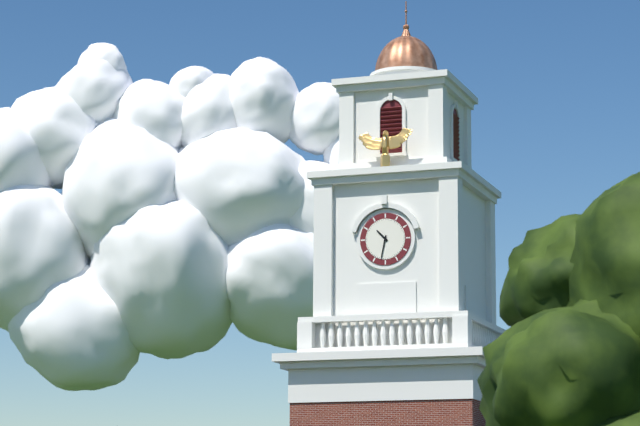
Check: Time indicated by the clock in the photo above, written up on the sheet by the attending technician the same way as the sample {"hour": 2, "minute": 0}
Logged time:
{"hour": 10, "minute": 32}
